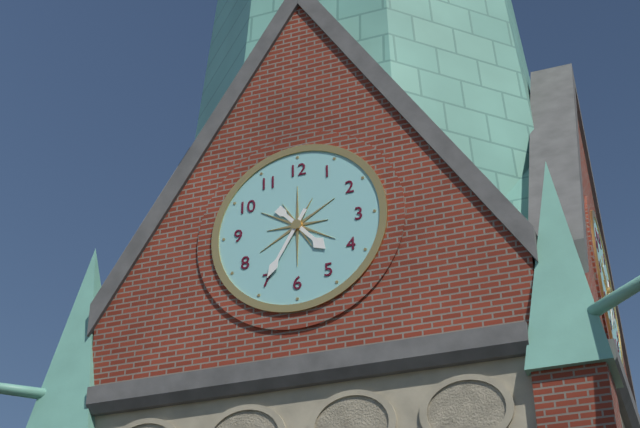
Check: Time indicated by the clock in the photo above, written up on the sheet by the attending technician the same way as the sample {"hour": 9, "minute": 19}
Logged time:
{"hour": 4, "minute": 35}
